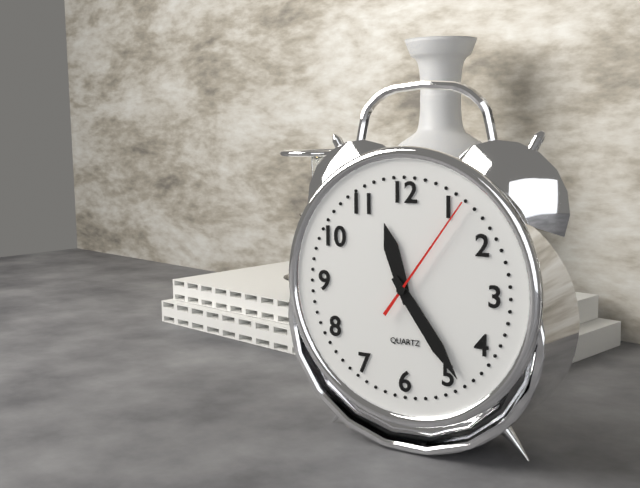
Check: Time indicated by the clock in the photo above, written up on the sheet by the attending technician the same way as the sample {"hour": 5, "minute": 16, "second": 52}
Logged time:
{"hour": 11, "minute": 24, "second": 6}
